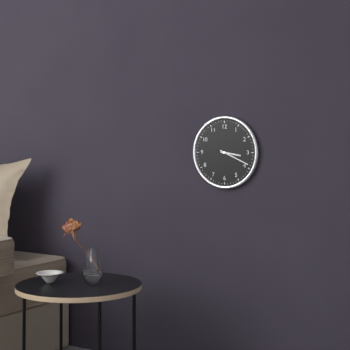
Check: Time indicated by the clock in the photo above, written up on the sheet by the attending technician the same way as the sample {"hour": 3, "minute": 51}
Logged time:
{"hour": 3, "minute": 19}
